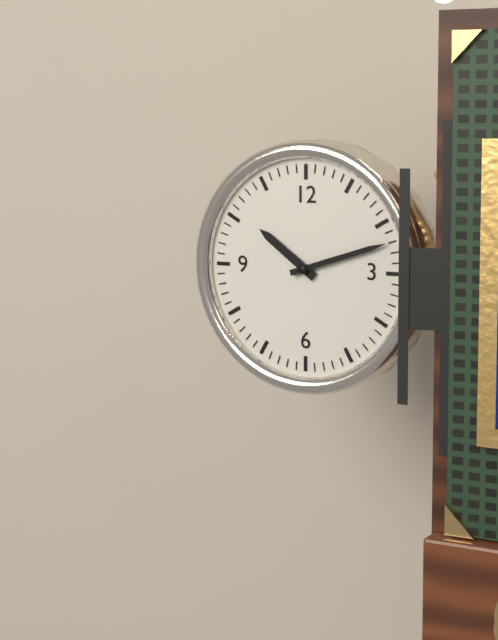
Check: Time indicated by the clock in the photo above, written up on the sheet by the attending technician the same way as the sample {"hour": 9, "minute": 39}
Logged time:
{"hour": 10, "minute": 12}
